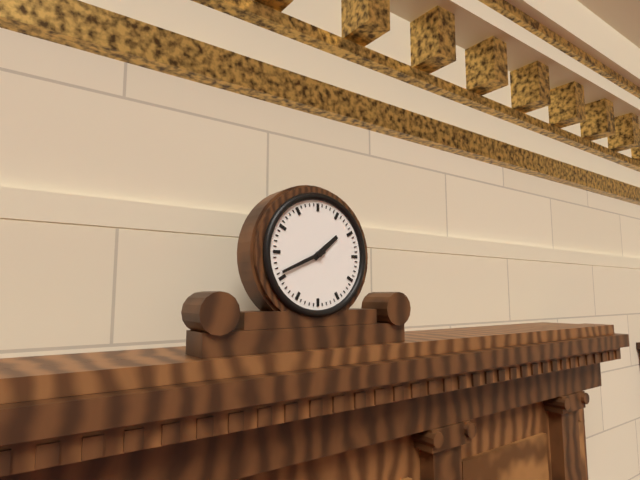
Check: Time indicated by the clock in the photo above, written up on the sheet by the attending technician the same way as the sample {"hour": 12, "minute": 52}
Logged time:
{"hour": 1, "minute": 41}
